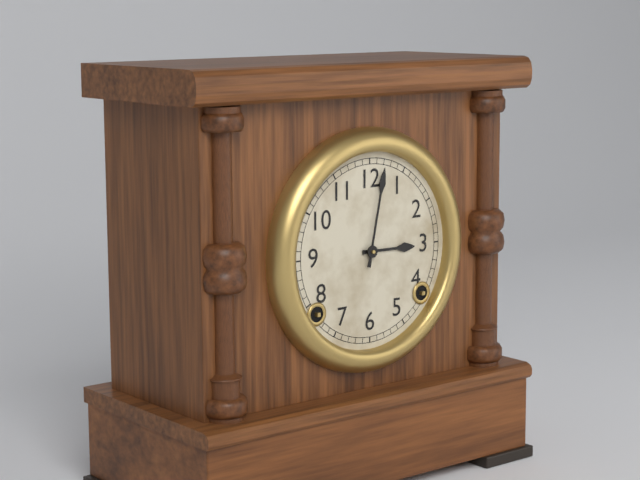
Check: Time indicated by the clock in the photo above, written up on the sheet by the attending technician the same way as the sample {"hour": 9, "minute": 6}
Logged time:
{"hour": 3, "minute": 2}
